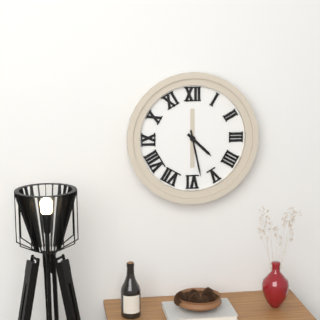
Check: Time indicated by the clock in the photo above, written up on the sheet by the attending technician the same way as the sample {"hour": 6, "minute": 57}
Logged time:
{"hour": 4, "minute": 28}
